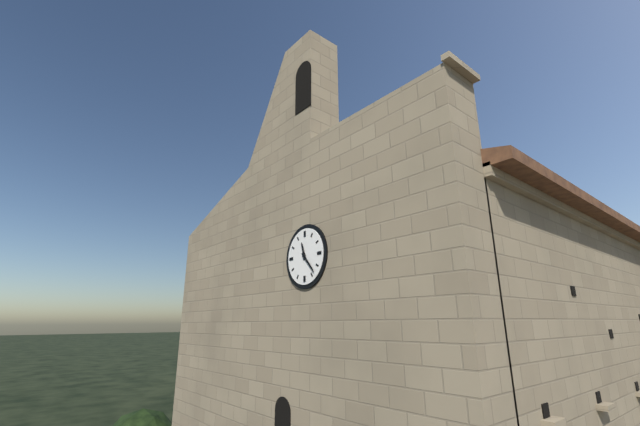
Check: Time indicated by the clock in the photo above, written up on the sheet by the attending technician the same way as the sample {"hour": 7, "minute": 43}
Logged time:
{"hour": 11, "minute": 23}
